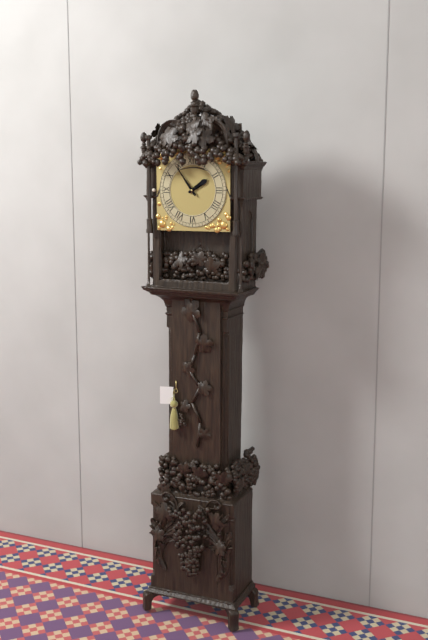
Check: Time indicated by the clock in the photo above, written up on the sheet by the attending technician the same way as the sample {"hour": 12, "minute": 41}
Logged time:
{"hour": 1, "minute": 54}
